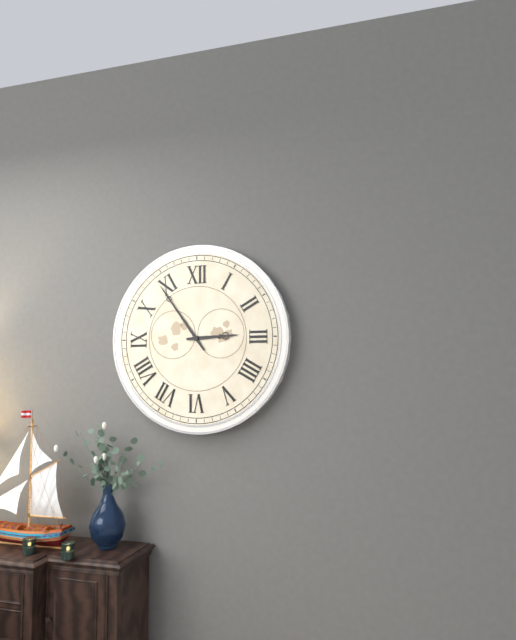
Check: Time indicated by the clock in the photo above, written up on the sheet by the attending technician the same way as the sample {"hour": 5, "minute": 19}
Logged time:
{"hour": 2, "minute": 54}
